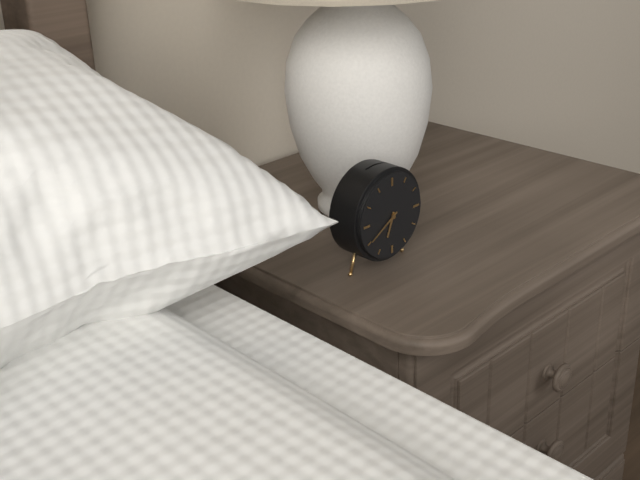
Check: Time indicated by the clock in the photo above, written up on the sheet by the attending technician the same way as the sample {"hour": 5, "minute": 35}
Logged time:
{"hour": 6, "minute": 40}
